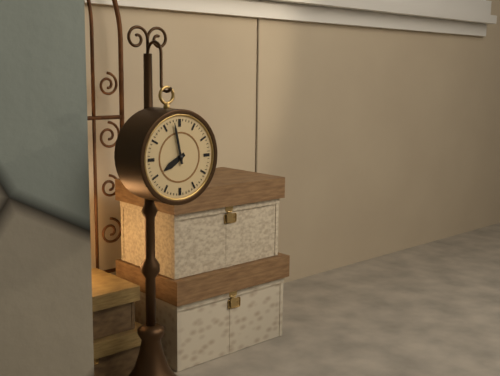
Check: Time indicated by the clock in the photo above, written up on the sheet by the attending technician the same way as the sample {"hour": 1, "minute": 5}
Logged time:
{"hour": 7, "minute": 58}
